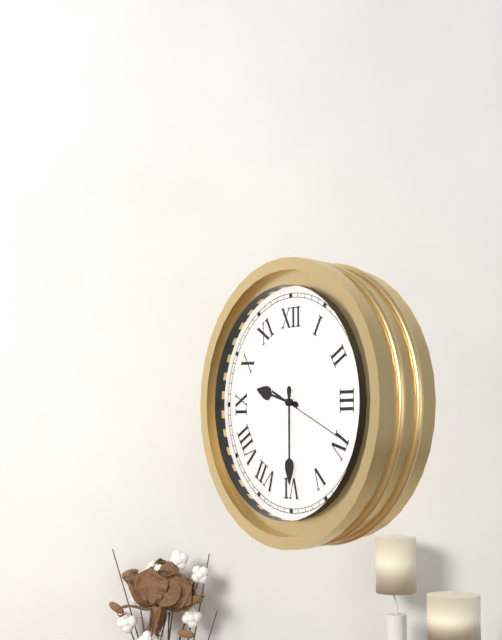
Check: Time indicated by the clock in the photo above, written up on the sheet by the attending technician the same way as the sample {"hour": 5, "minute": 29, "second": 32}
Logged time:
{"hour": 9, "minute": 30, "second": 19}
